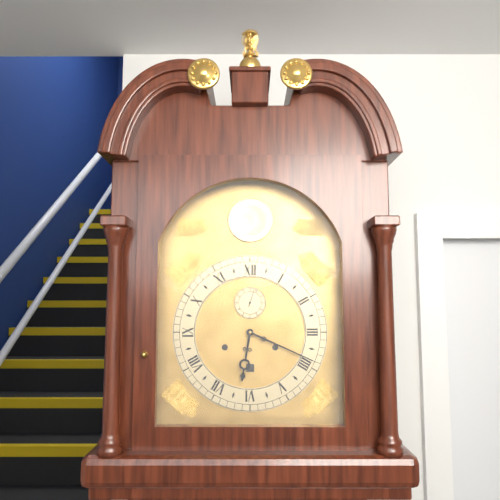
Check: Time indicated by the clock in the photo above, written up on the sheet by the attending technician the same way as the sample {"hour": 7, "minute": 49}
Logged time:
{"hour": 6, "minute": 19}
